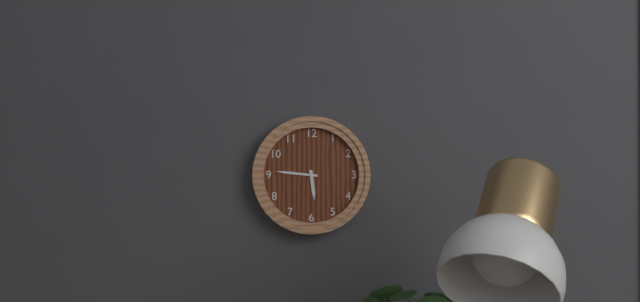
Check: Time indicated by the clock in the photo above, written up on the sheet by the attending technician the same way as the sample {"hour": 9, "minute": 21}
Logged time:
{"hour": 5, "minute": 46}
